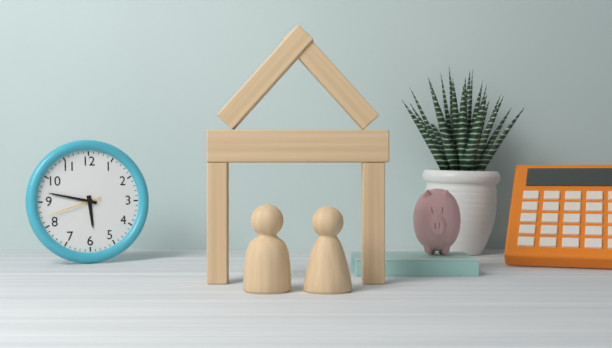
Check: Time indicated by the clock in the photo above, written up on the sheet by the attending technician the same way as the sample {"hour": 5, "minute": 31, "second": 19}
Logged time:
{"hour": 5, "minute": 47, "second": 42}
